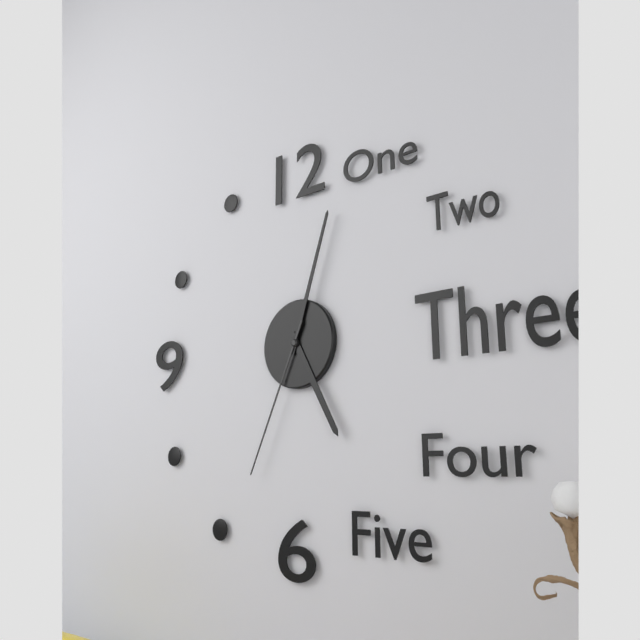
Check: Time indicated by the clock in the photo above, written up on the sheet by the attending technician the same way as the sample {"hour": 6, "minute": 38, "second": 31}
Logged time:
{"hour": 5, "minute": 3, "second": 34}
